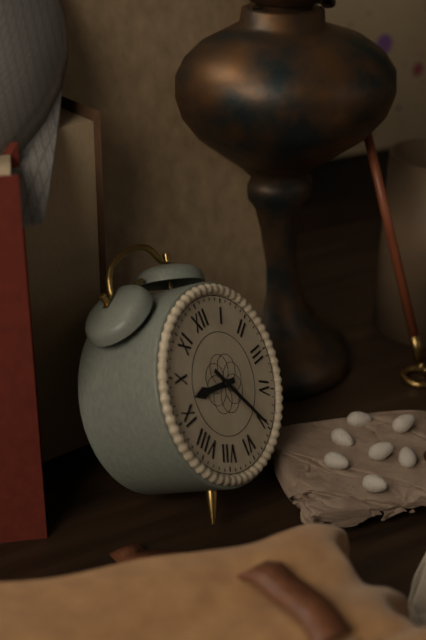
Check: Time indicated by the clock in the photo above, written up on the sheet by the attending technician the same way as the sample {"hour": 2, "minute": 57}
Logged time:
{"hour": 9, "minute": 25}
